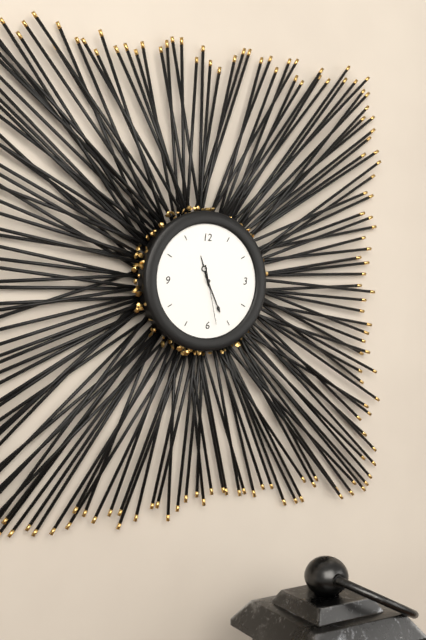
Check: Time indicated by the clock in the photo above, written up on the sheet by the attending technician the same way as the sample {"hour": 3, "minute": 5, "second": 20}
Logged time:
{"hour": 11, "minute": 26, "second": 28}
